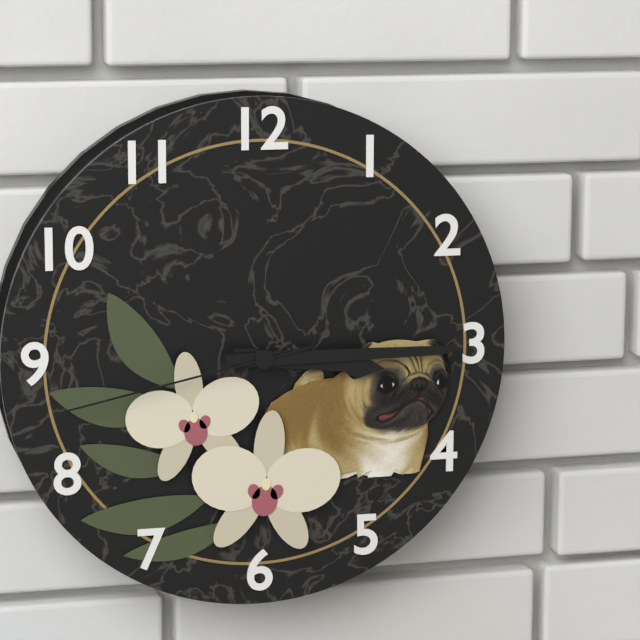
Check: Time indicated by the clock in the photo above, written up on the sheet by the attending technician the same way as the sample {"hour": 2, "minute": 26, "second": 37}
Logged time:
{"hour": 3, "minute": 15, "second": 43}
